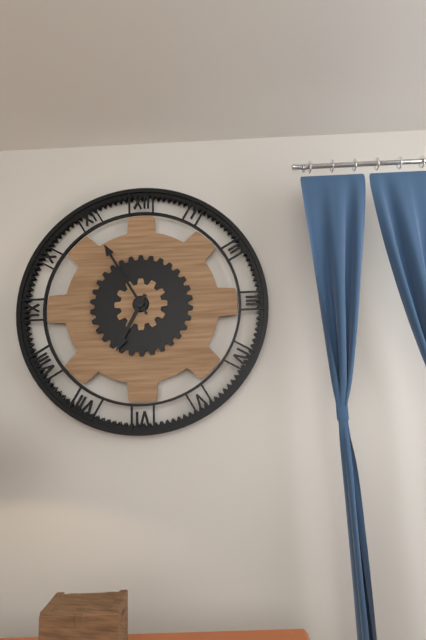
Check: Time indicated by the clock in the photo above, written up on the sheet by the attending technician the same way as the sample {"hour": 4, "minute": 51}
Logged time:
{"hour": 6, "minute": 55}
